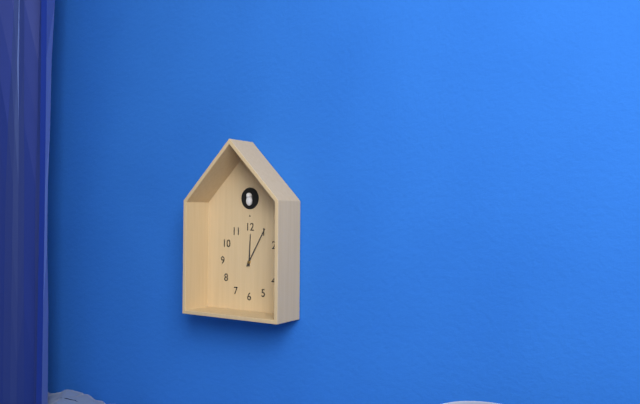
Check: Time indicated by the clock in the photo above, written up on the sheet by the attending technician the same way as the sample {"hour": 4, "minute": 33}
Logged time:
{"hour": 12, "minute": 5}
